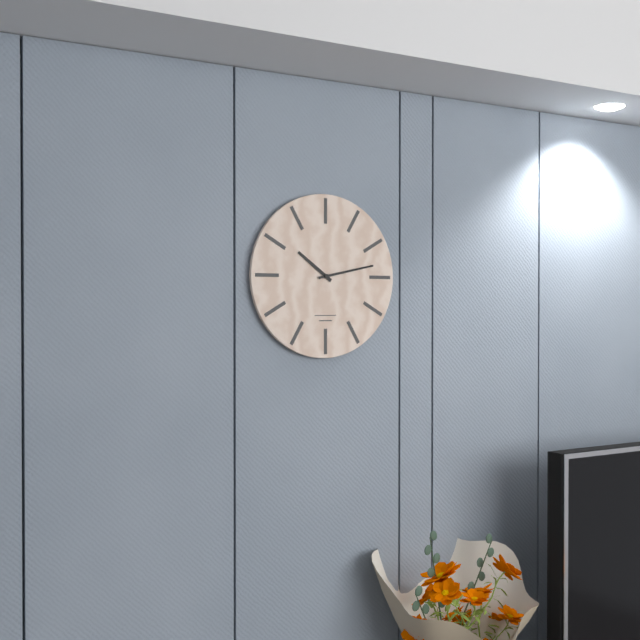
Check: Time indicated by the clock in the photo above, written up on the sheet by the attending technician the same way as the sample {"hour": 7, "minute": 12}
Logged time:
{"hour": 10, "minute": 13}
